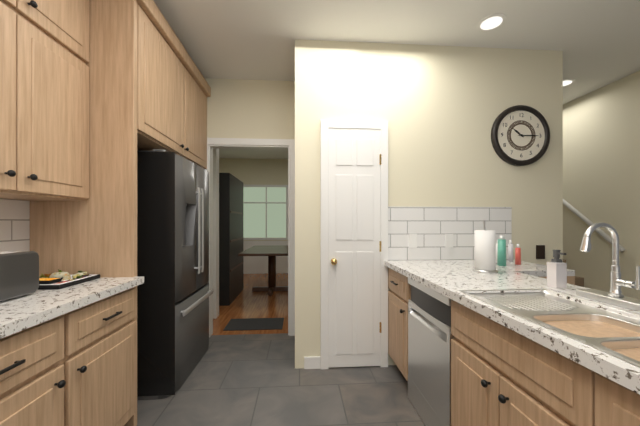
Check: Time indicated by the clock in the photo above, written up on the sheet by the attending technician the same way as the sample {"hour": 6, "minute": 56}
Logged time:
{"hour": 10, "minute": 15}
